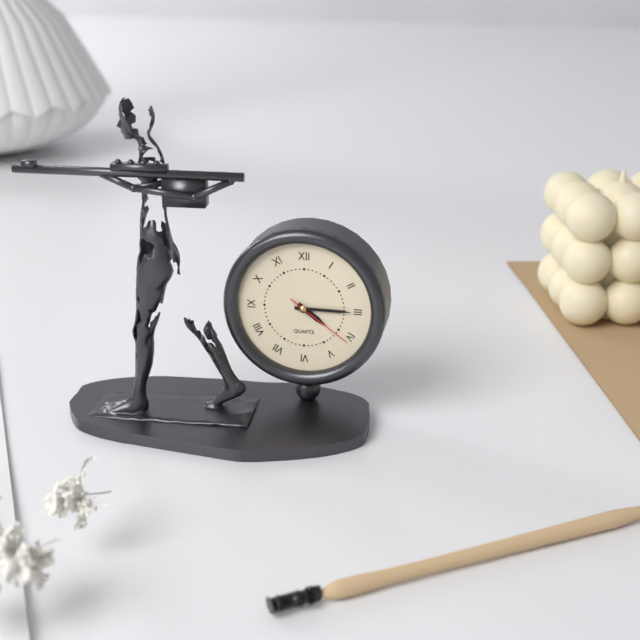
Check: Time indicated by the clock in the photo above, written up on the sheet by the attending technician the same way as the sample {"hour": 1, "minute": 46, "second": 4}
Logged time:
{"hour": 4, "minute": 15, "second": 21}
